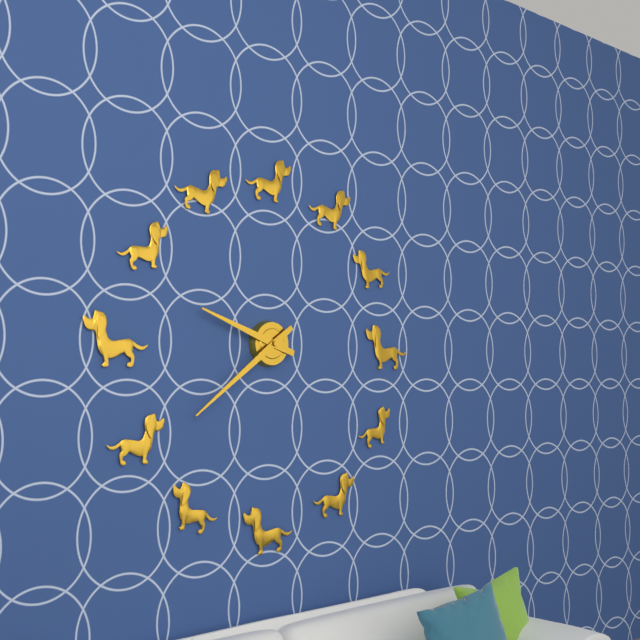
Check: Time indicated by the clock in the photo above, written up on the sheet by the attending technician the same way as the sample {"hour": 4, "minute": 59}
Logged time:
{"hour": 9, "minute": 39}
